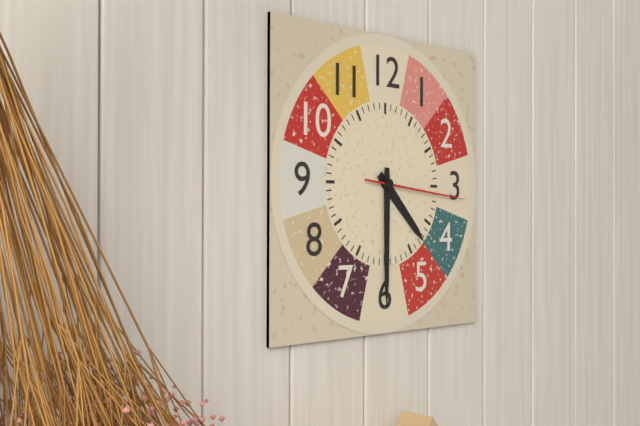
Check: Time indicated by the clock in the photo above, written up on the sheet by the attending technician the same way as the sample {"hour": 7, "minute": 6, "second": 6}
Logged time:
{"hour": 4, "minute": 30, "second": 16}
